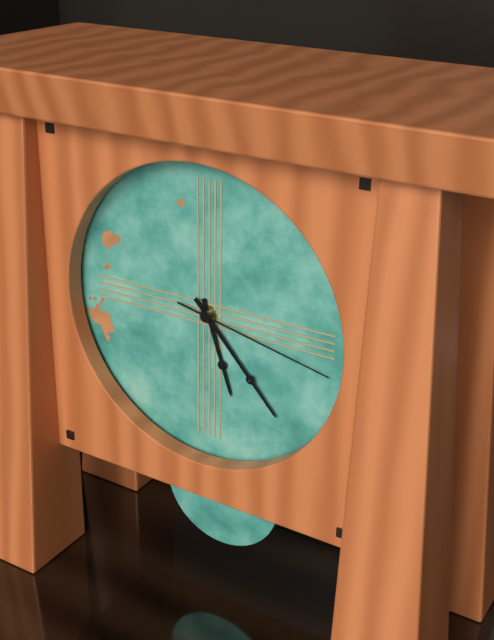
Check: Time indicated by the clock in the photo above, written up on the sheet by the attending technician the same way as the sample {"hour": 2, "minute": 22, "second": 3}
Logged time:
{"hour": 5, "minute": 23, "second": 17}
